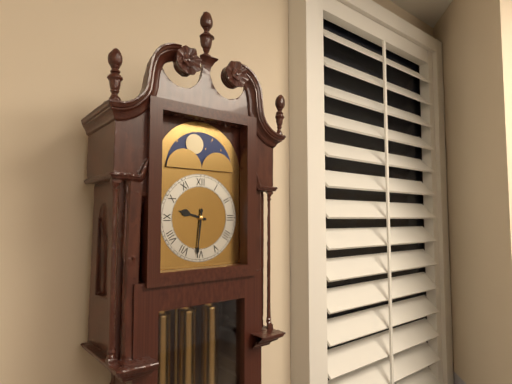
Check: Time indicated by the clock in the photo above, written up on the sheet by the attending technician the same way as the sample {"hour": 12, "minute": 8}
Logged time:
{"hour": 9, "minute": 31}
